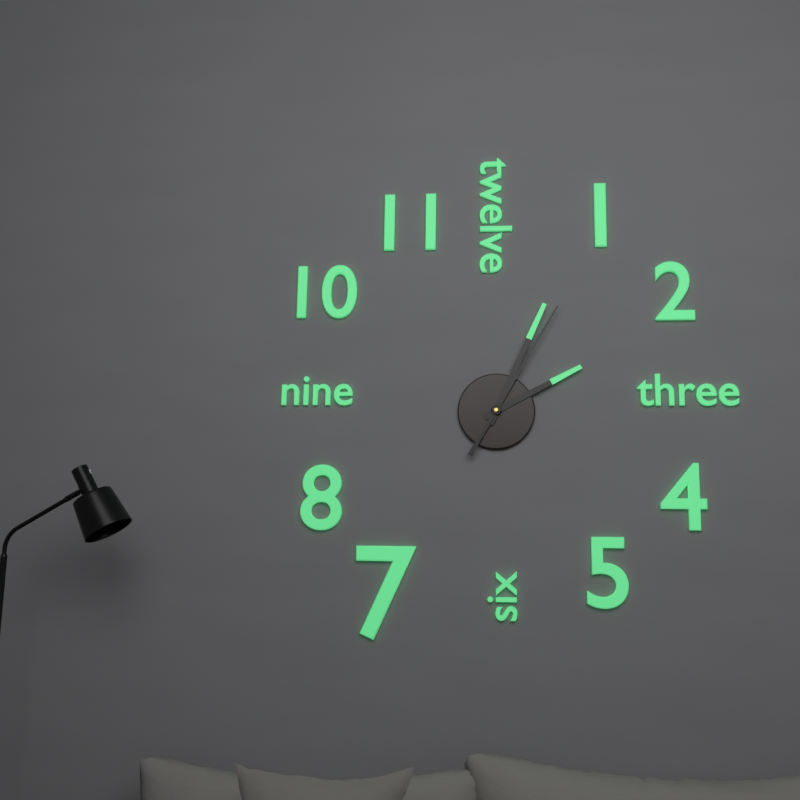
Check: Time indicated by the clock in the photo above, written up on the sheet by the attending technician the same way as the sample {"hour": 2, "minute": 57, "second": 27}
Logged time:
{"hour": 2, "minute": 4, "second": 5}
